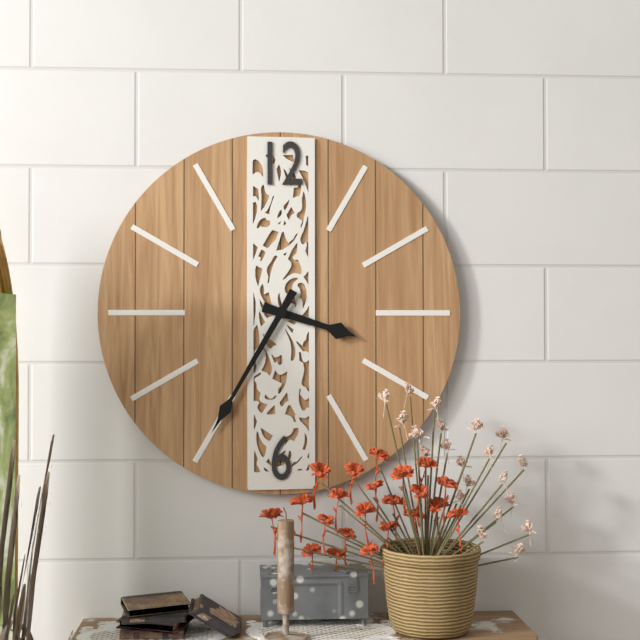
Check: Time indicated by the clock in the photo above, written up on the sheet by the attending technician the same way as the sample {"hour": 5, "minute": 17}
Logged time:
{"hour": 3, "minute": 35}
